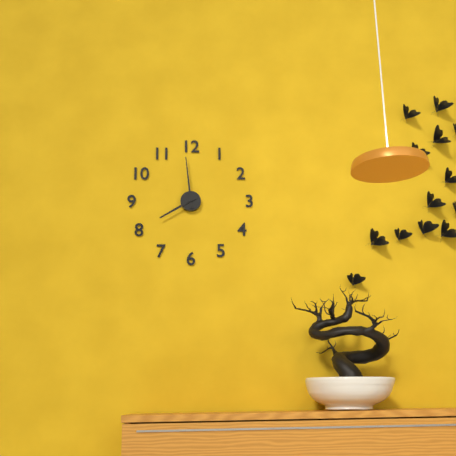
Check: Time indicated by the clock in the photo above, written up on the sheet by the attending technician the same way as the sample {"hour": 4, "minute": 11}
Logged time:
{"hour": 7, "minute": 59}
